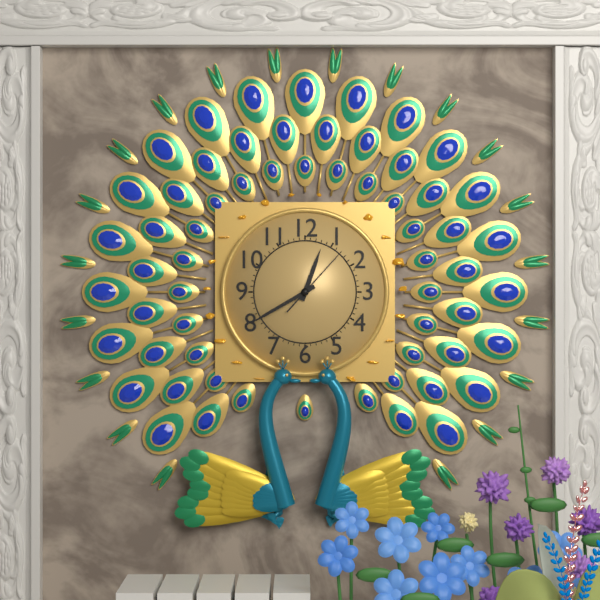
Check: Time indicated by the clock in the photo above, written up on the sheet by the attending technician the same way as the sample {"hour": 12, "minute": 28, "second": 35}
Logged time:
{"hour": 12, "minute": 40, "second": 7}
